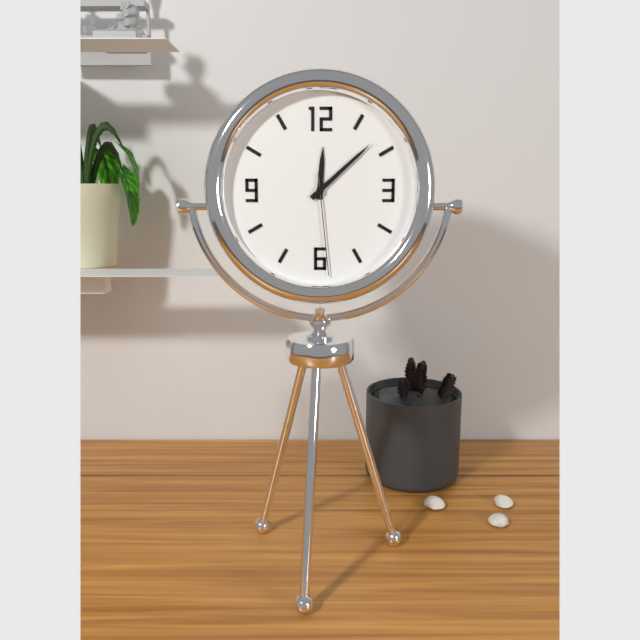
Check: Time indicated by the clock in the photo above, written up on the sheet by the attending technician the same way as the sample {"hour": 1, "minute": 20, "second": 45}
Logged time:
{"hour": 12, "minute": 8, "second": 29}
